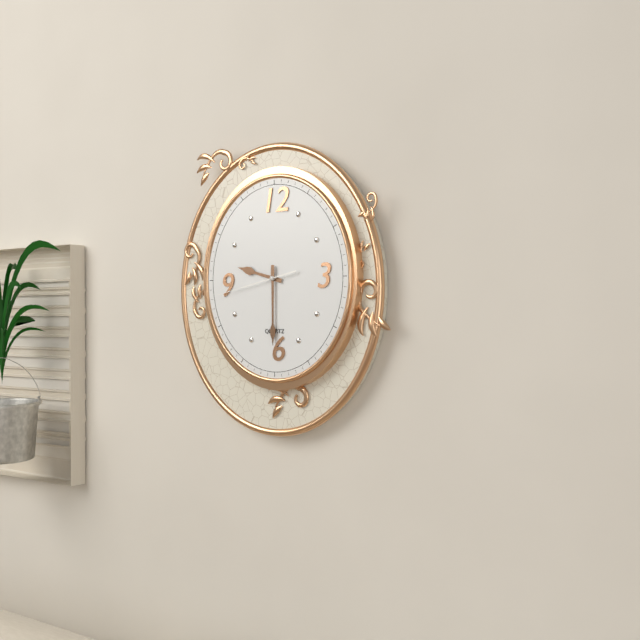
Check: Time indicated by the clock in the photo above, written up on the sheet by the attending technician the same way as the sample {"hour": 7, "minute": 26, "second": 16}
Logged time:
{"hour": 9, "minute": 30, "second": 43}
